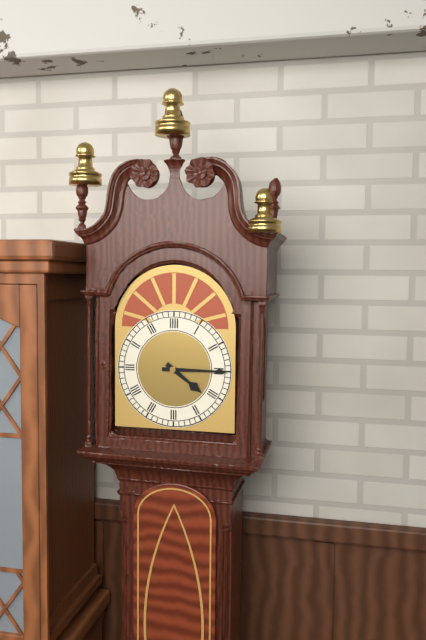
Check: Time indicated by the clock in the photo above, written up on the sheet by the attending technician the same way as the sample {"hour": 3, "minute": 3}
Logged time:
{"hour": 4, "minute": 15}
